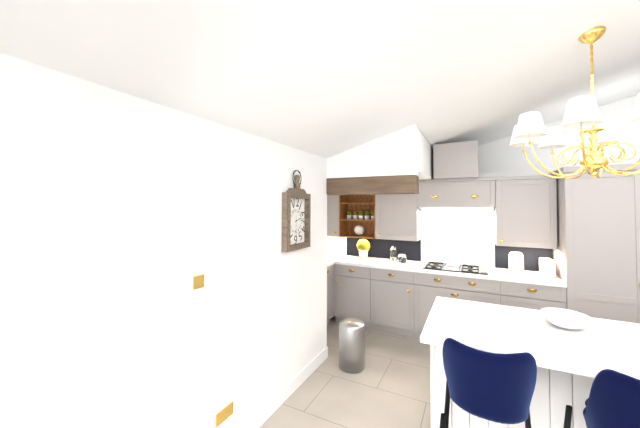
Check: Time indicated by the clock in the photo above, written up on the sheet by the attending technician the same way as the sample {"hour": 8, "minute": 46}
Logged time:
{"hour": 2, "minute": 30}
